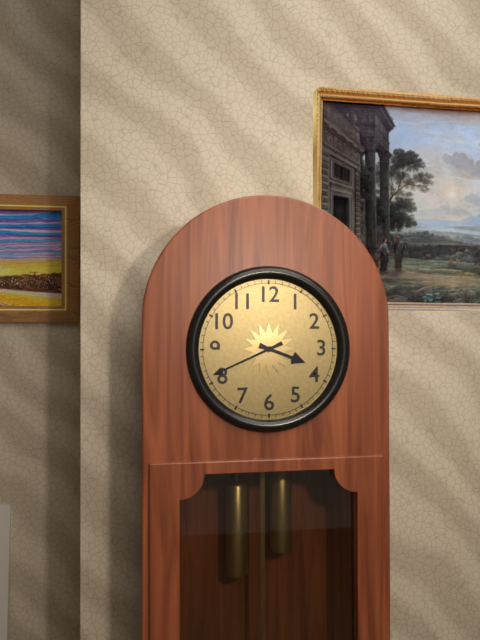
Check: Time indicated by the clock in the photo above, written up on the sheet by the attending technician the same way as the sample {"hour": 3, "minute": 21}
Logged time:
{"hour": 3, "minute": 41}
